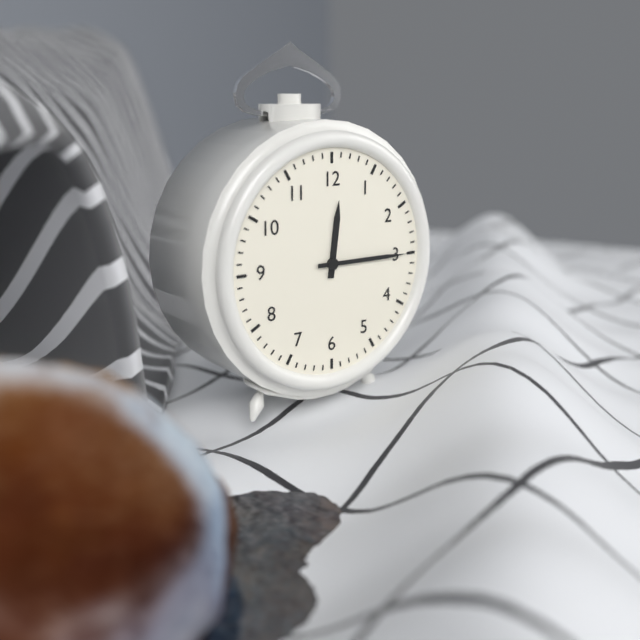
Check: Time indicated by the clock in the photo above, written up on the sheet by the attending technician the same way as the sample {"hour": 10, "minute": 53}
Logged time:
{"hour": 12, "minute": 15}
